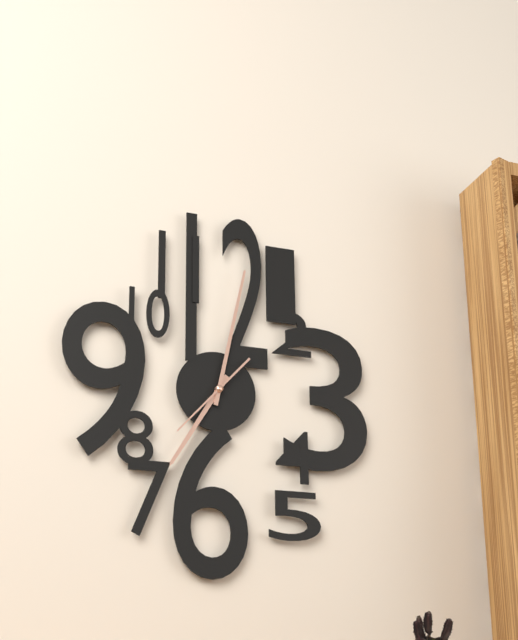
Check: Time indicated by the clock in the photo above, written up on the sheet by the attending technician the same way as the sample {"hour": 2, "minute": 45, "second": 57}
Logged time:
{"hour": 7, "minute": 2, "second": 37}
